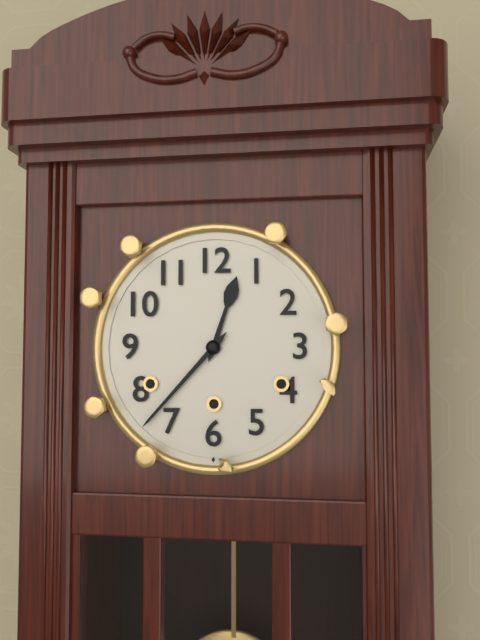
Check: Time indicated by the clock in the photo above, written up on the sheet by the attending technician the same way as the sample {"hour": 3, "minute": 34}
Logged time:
{"hour": 12, "minute": 37}
